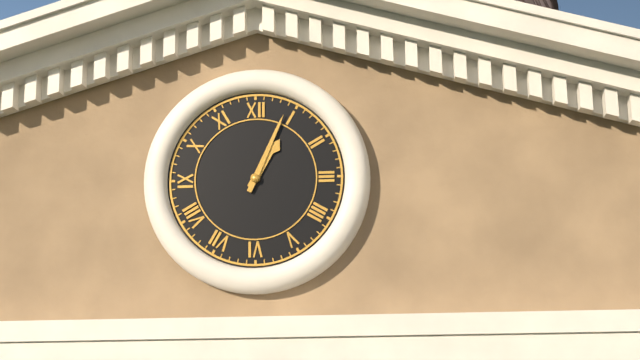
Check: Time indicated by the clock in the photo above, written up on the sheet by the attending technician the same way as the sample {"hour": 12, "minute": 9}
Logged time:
{"hour": 1, "minute": 4}
